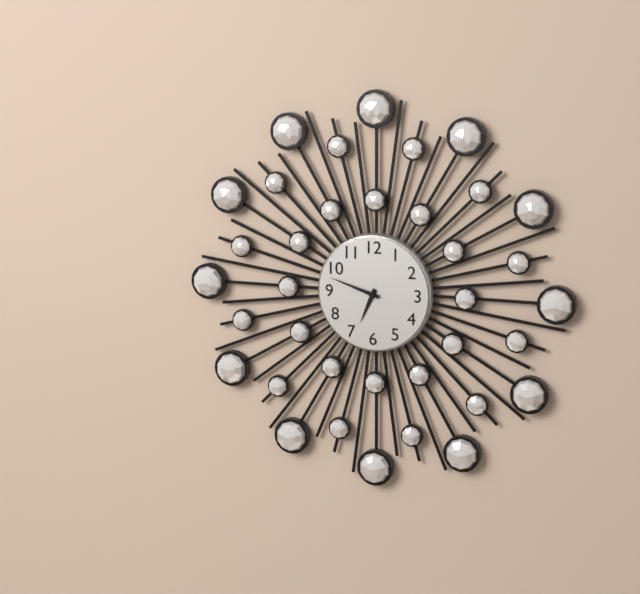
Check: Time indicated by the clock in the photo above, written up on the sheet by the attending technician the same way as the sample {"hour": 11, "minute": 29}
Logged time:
{"hour": 6, "minute": 48}
